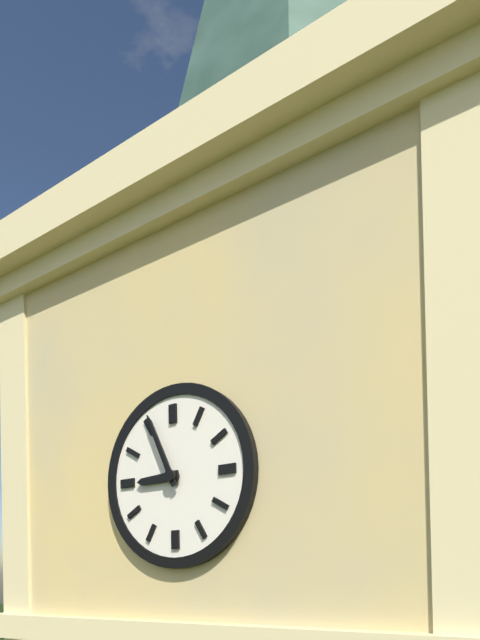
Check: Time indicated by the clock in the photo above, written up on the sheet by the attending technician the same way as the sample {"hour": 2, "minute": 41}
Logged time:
{"hour": 8, "minute": 56}
